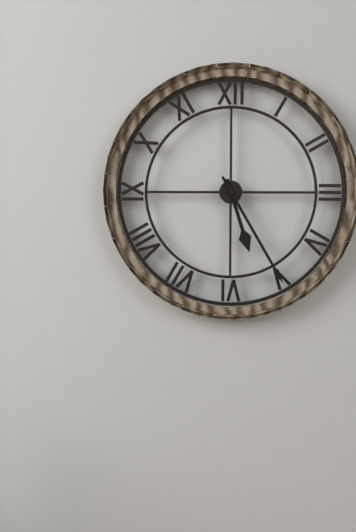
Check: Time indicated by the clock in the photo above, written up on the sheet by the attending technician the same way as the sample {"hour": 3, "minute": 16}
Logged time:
{"hour": 5, "minute": 25}
